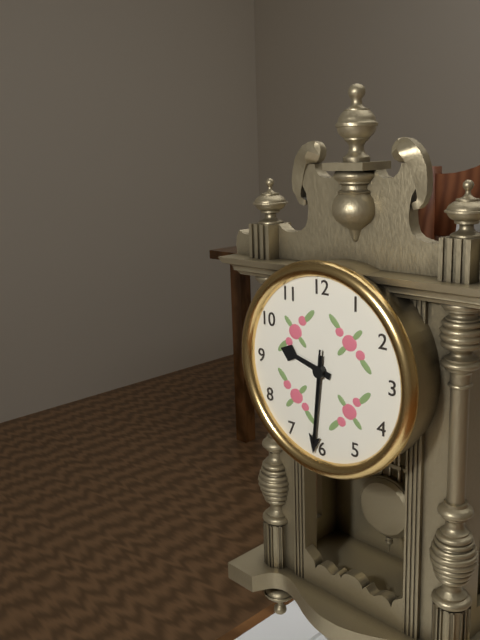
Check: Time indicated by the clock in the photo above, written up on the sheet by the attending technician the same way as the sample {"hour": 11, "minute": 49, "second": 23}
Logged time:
{"hour": 9, "minute": 31, "second": 31}
